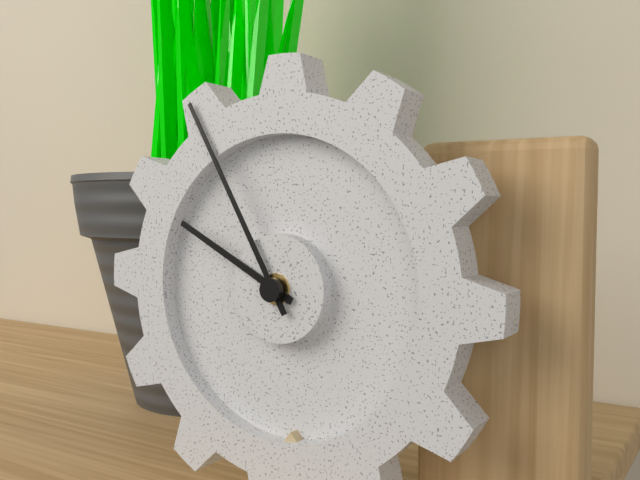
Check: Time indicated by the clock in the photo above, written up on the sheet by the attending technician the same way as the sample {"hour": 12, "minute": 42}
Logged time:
{"hour": 9, "minute": 55}
